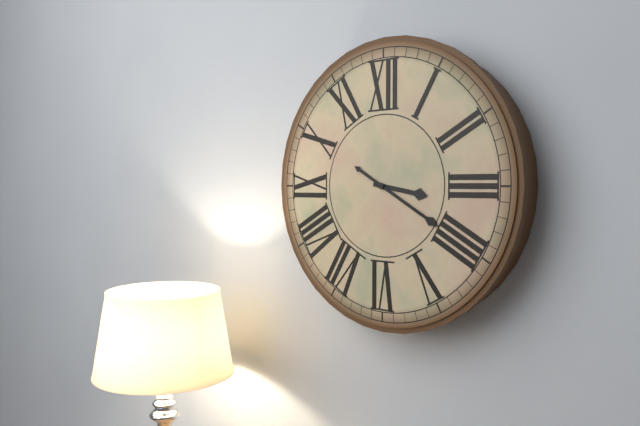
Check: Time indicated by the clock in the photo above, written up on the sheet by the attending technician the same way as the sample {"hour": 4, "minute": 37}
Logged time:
{"hour": 3, "minute": 20}
